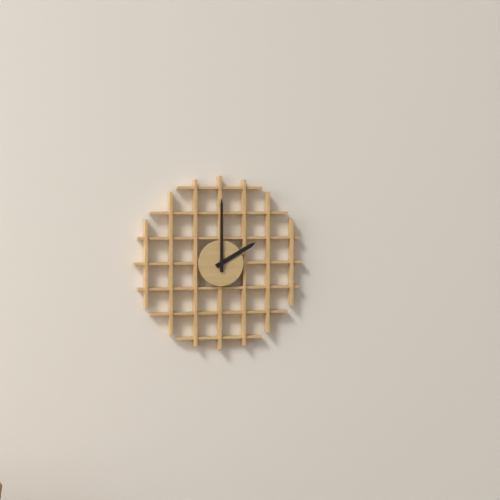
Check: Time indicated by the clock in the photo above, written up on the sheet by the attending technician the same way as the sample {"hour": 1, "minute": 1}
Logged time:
{"hour": 2, "minute": 0}
